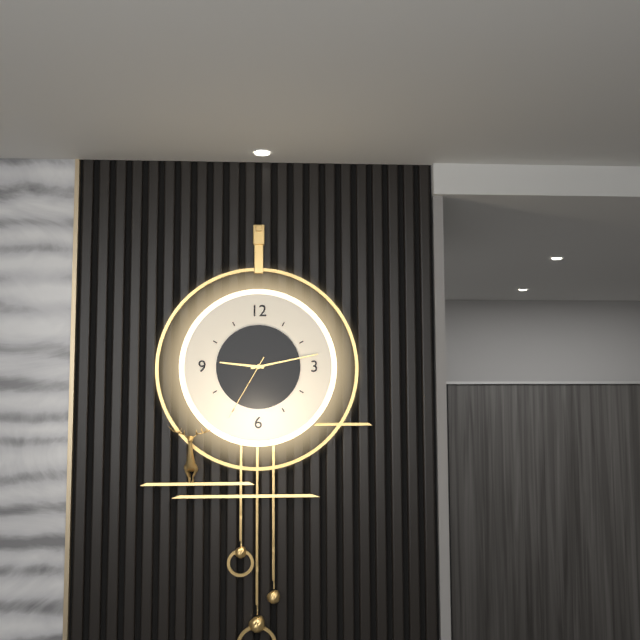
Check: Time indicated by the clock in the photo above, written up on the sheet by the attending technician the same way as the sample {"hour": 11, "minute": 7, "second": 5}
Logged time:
{"hour": 9, "minute": 13, "second": 35}
